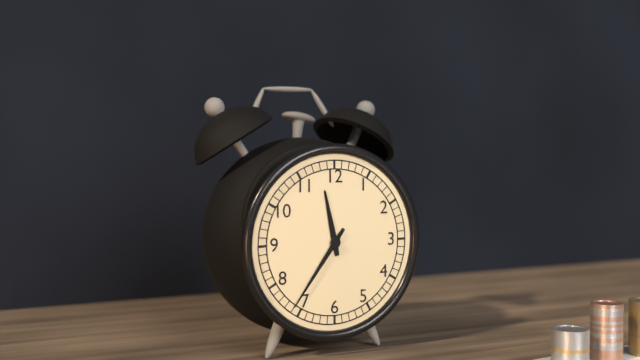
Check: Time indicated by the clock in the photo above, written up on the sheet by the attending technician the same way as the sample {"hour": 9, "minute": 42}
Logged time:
{"hour": 11, "minute": 36}
